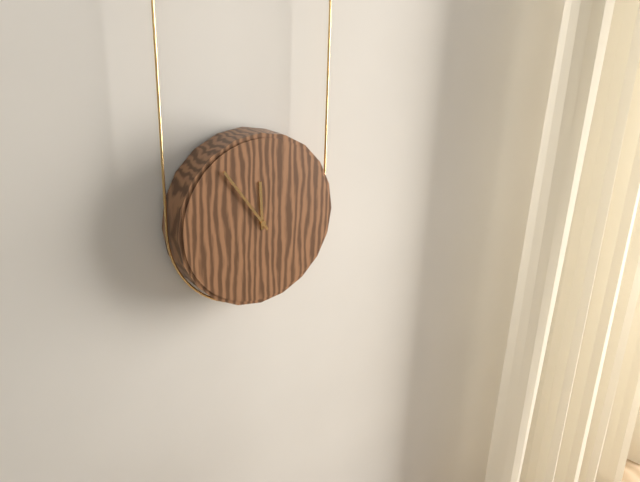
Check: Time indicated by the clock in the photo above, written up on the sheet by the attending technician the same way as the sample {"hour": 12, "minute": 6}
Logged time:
{"hour": 11, "minute": 54}
